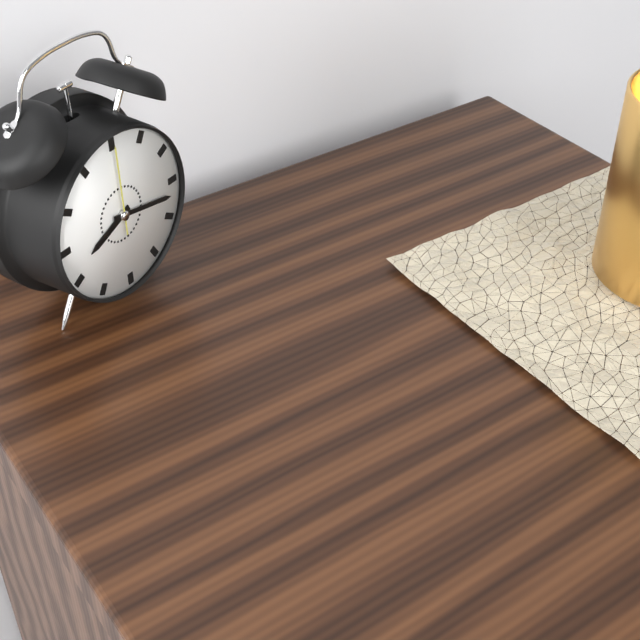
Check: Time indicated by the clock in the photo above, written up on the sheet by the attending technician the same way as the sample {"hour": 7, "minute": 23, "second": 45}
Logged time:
{"hour": 8, "minute": 17, "second": 0}
